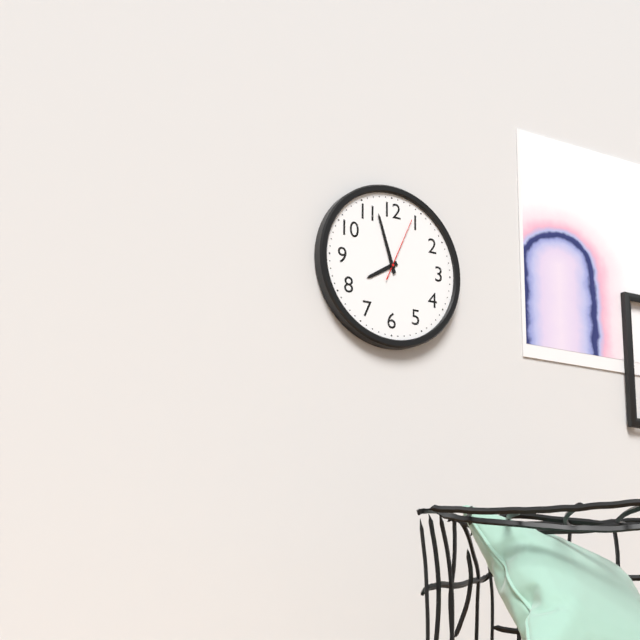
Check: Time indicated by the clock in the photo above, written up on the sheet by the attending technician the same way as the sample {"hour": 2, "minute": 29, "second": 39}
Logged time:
{"hour": 7, "minute": 57, "second": 4}
